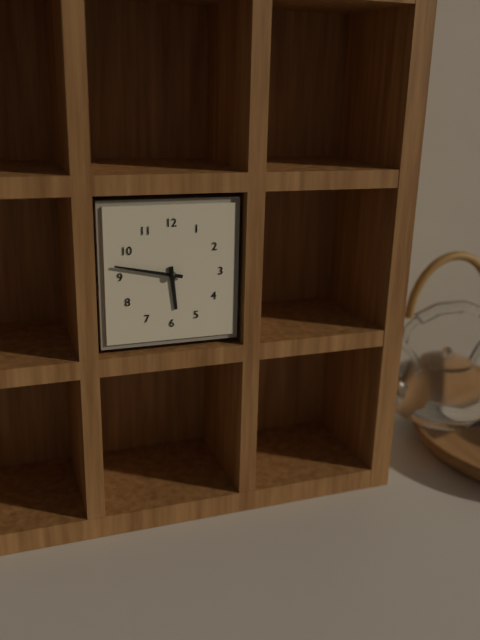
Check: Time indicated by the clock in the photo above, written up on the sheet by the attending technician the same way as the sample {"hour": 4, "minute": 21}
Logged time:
{"hour": 5, "minute": 47}
